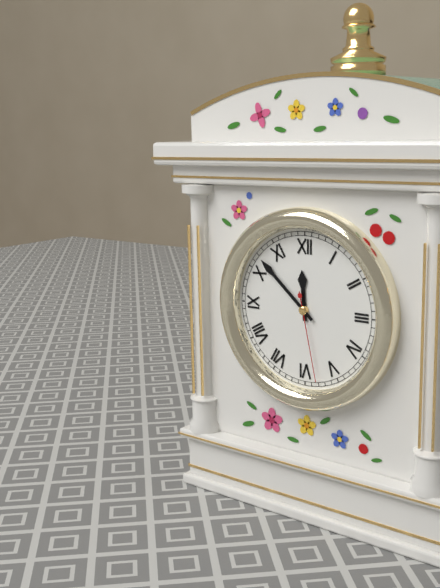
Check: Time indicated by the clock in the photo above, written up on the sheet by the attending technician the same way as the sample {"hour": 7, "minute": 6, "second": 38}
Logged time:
{"hour": 11, "minute": 52, "second": 28}
